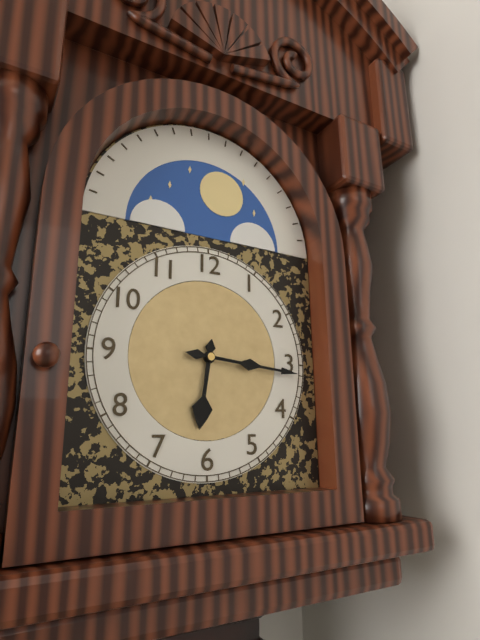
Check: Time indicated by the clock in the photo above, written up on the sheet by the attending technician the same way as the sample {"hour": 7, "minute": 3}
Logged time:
{"hour": 6, "minute": 16}
